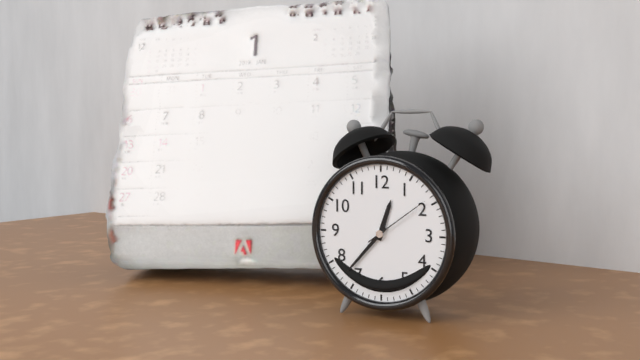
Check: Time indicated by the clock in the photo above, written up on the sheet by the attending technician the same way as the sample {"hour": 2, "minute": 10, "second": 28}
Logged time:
{"hour": 12, "minute": 37, "second": 9}
